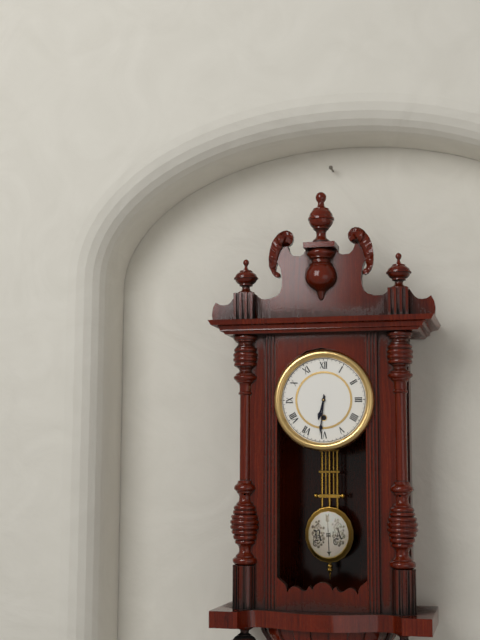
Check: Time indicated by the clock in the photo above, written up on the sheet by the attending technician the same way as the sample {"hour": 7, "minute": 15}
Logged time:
{"hour": 6, "minute": 31}
